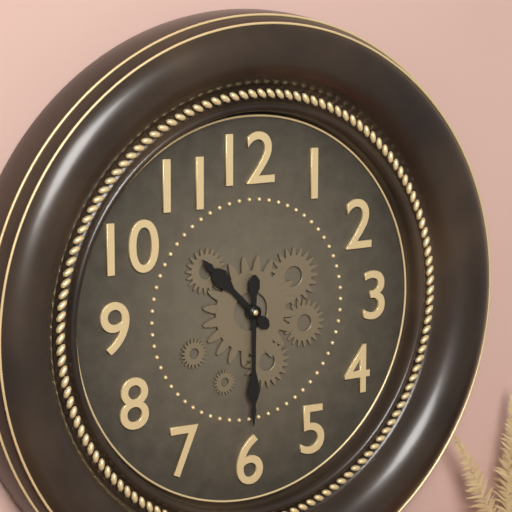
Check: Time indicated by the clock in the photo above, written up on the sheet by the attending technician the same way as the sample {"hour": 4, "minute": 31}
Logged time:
{"hour": 10, "minute": 30}
